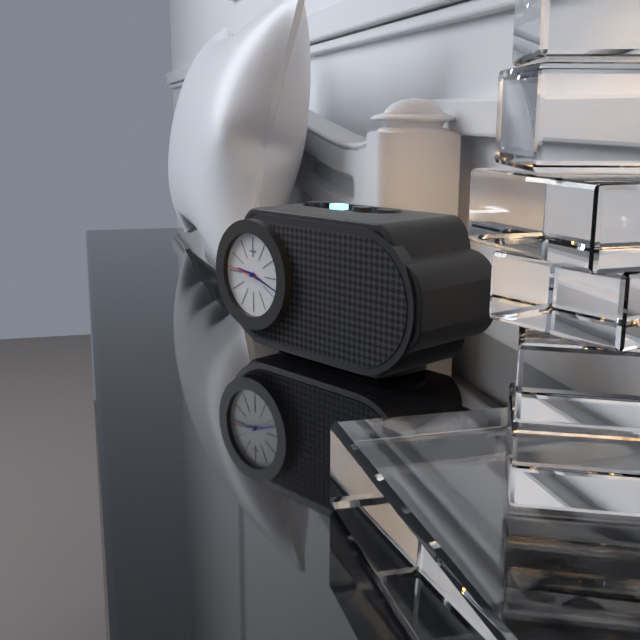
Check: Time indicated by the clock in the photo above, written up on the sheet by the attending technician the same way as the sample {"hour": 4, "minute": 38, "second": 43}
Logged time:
{"hour": 9, "minute": 18, "second": 46}
